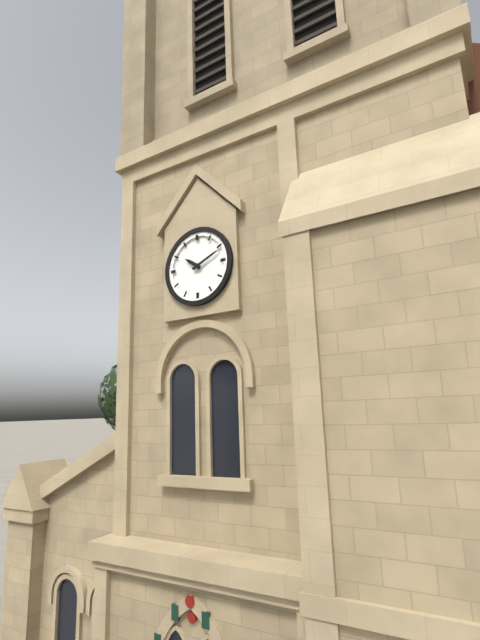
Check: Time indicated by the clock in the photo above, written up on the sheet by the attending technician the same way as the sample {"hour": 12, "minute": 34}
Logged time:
{"hour": 10, "minute": 11}
